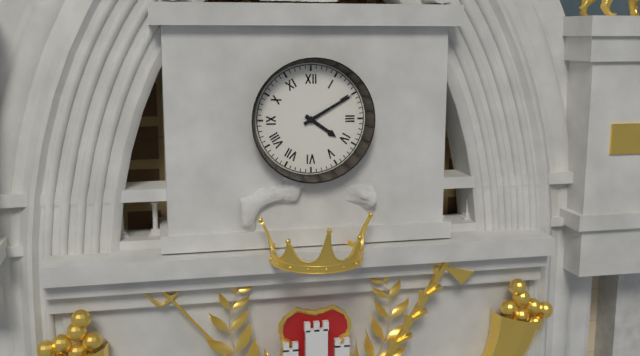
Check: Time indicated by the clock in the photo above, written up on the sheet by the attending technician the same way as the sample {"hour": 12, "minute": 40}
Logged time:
{"hour": 4, "minute": 10}
